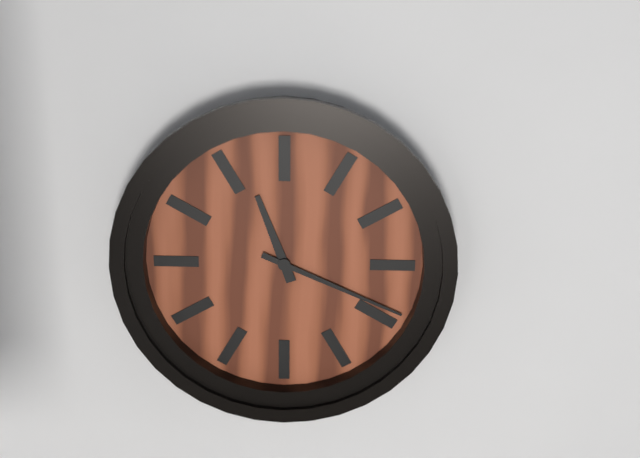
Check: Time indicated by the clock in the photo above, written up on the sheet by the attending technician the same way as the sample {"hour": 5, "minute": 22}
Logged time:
{"hour": 11, "minute": 19}
